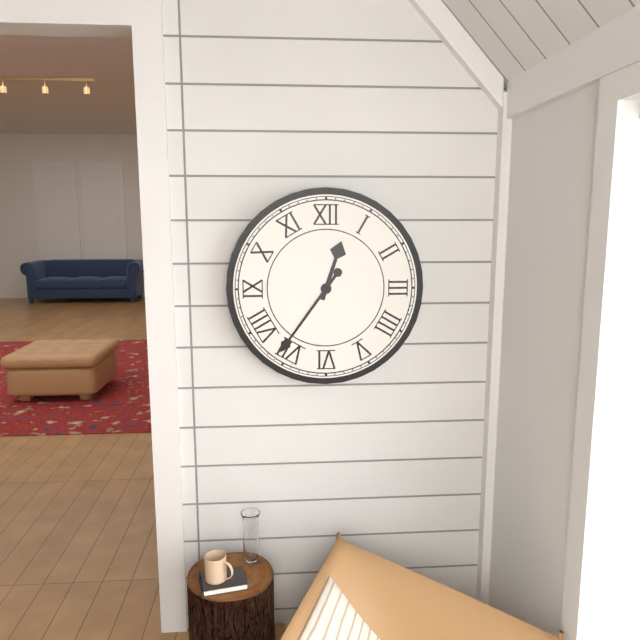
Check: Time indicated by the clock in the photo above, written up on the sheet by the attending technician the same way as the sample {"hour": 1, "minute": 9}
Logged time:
{"hour": 12, "minute": 36}
